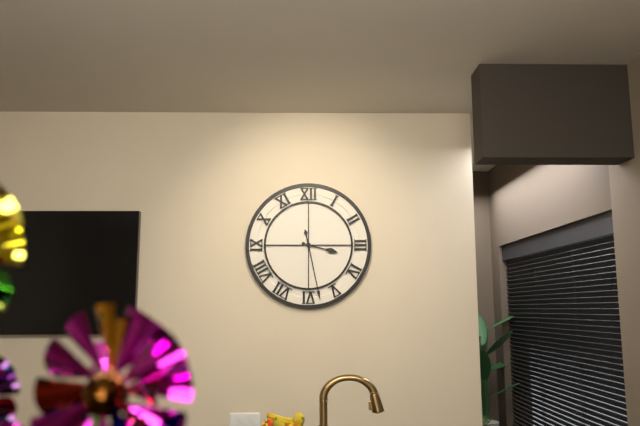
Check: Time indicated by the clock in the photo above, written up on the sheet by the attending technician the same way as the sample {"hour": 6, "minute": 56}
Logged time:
{"hour": 3, "minute": 28}
